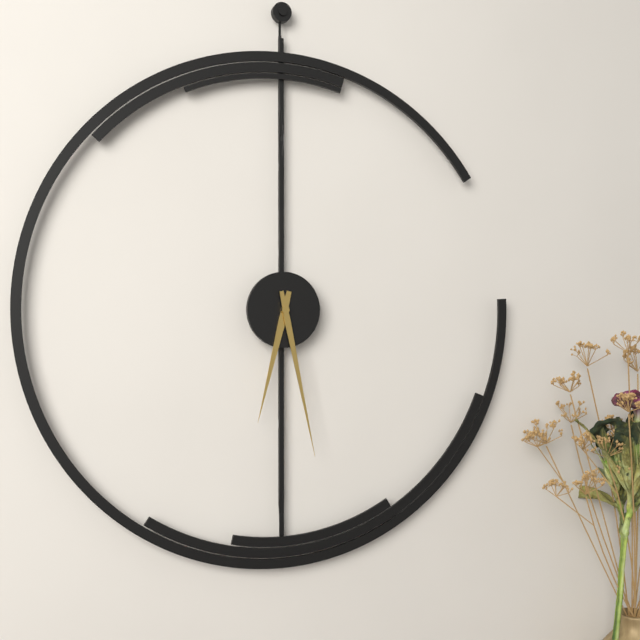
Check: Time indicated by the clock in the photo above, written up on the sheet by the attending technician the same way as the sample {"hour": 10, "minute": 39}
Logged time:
{"hour": 6, "minute": 28}
